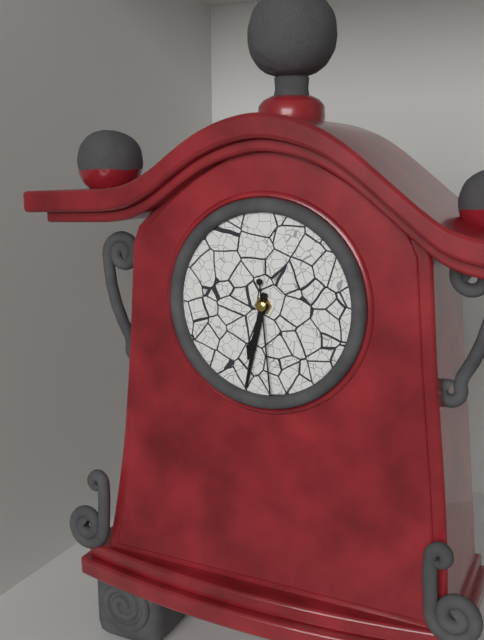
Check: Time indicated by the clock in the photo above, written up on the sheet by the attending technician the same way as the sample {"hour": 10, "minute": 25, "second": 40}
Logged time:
{"hour": 6, "minute": 32, "second": 29}
